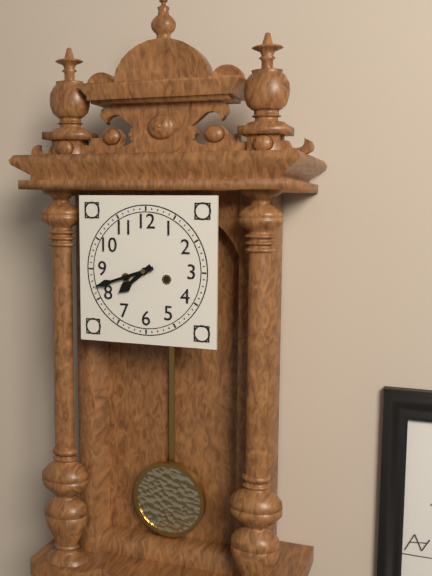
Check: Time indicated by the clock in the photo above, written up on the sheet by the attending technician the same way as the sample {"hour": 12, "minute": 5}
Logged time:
{"hour": 7, "minute": 42}
